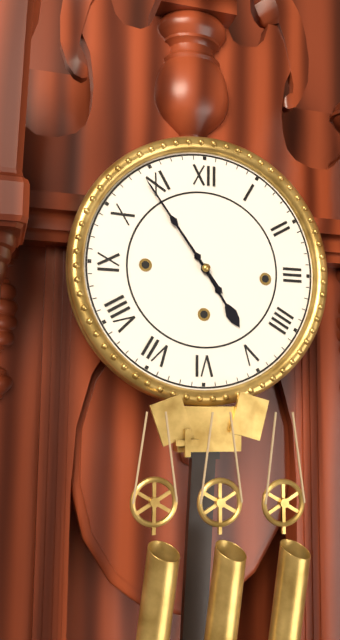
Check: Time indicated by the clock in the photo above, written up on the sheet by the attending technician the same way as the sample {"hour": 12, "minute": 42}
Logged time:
{"hour": 4, "minute": 54}
